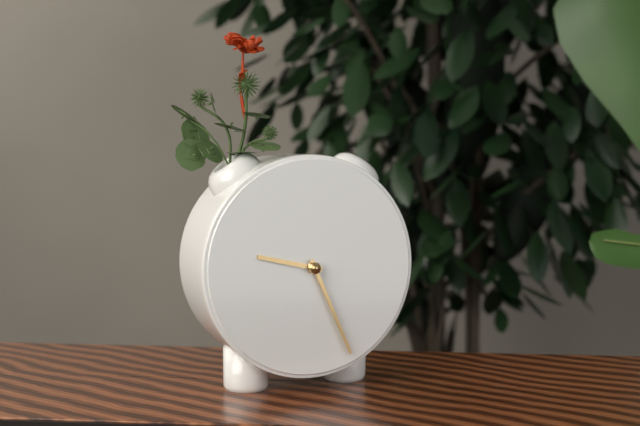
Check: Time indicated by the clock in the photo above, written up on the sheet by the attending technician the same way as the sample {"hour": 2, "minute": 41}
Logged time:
{"hour": 9, "minute": 26}
